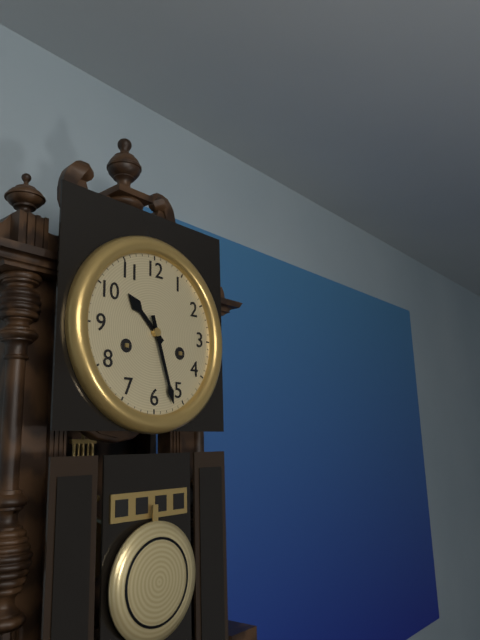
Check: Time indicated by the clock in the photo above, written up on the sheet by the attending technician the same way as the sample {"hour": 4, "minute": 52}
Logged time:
{"hour": 10, "minute": 27}
